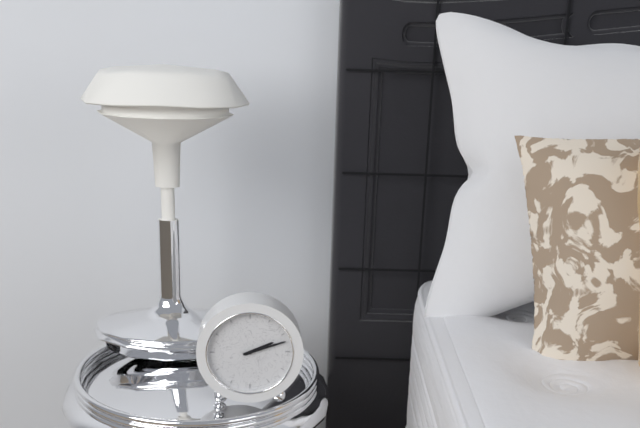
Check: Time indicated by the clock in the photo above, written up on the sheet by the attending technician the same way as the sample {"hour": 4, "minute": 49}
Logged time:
{"hour": 2, "minute": 12}
